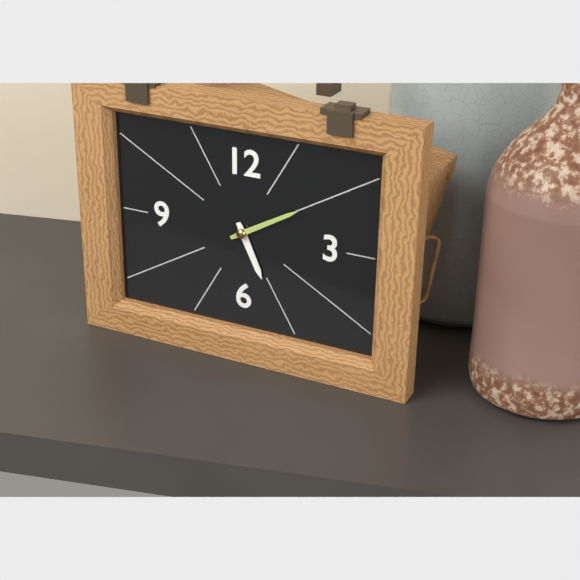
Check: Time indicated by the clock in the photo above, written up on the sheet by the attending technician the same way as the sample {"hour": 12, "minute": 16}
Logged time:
{"hour": 5, "minute": 10}
